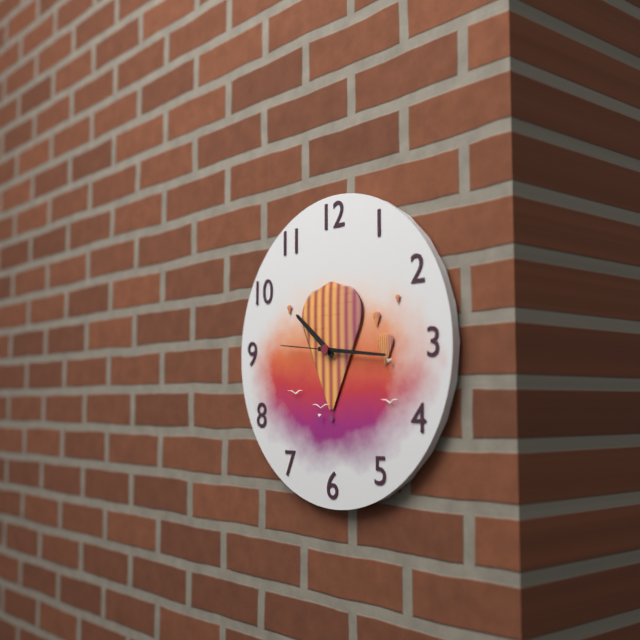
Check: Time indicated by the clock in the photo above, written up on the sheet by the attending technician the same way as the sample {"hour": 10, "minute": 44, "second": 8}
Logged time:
{"hour": 10, "minute": 16, "second": 46}
